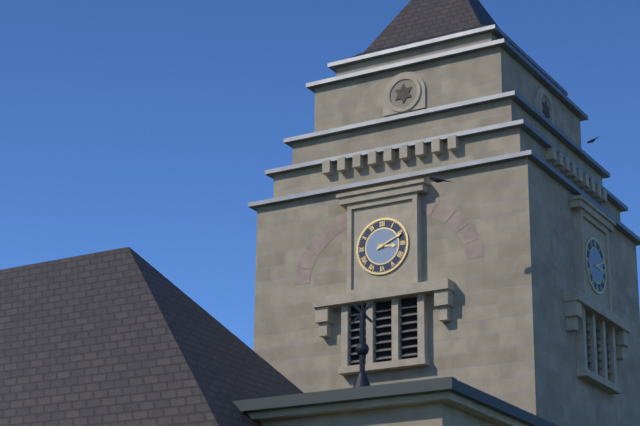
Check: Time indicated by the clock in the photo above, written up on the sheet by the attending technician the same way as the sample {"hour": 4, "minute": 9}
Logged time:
{"hour": 3, "minute": 11}
